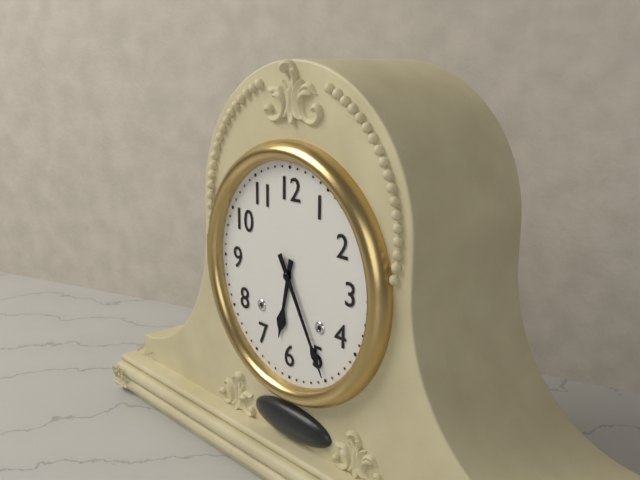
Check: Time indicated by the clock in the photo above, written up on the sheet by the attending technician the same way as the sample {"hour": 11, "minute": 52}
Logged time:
{"hour": 6, "minute": 25}
